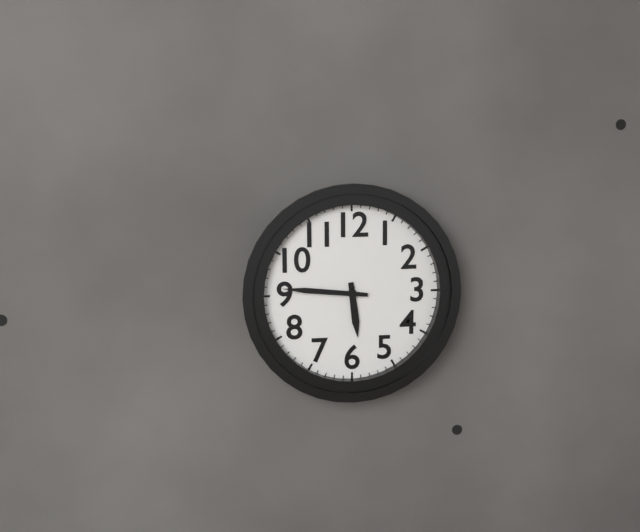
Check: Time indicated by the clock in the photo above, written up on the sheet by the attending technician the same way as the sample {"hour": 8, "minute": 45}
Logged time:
{"hour": 5, "minute": 46}
